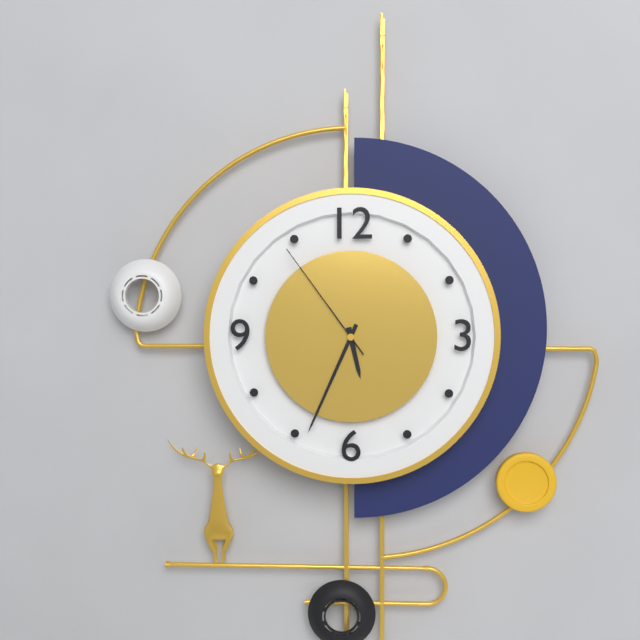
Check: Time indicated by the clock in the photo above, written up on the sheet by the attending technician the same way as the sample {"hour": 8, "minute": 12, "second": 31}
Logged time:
{"hour": 5, "minute": 34, "second": 54}
